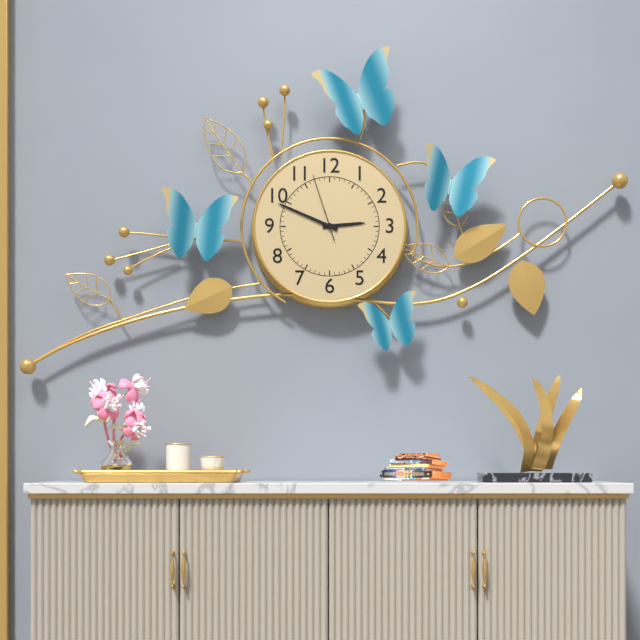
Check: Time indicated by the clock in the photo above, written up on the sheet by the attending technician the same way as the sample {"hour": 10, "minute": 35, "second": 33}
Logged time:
{"hour": 2, "minute": 49, "second": 57}
